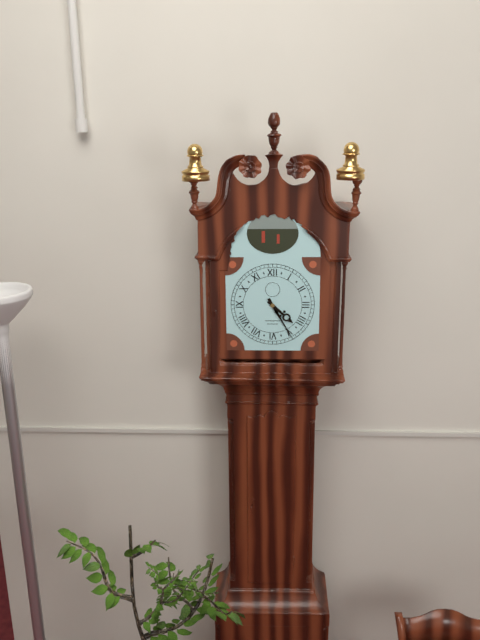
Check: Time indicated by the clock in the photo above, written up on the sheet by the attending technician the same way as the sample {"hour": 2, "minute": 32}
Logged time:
{"hour": 4, "minute": 25}
